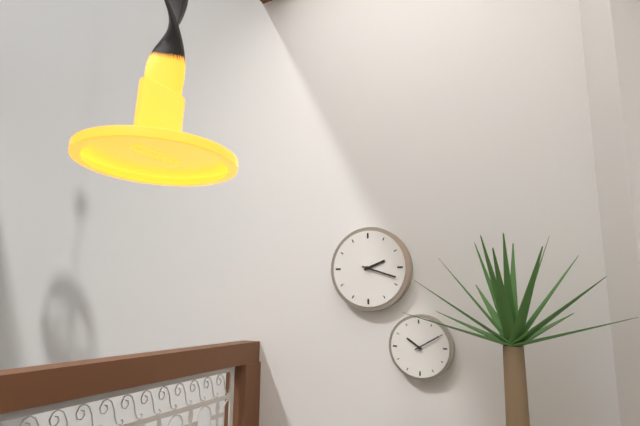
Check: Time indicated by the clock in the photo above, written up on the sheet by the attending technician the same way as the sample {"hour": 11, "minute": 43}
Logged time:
{"hour": 2, "minute": 18}
